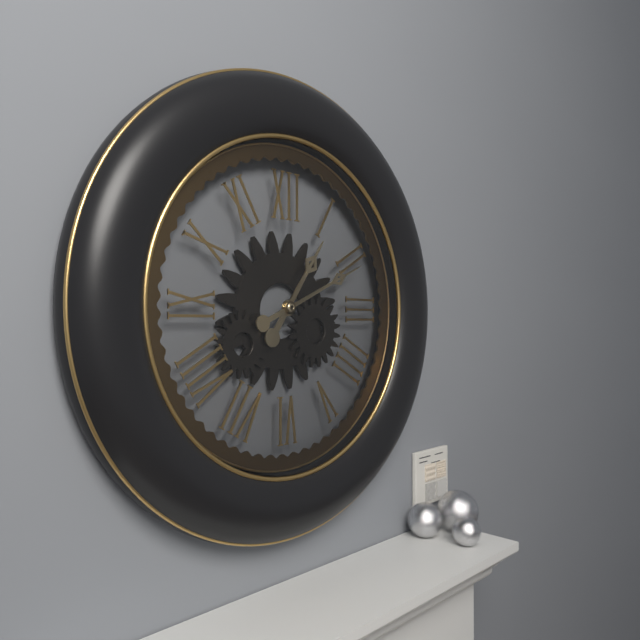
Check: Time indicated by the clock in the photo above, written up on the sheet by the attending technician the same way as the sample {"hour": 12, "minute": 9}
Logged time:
{"hour": 1, "minute": 11}
